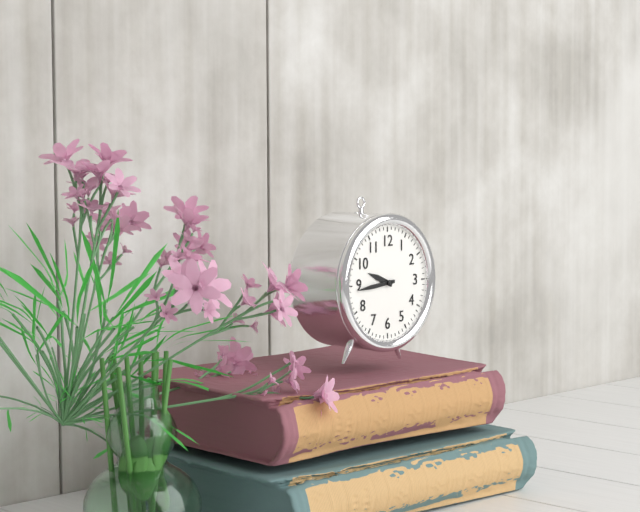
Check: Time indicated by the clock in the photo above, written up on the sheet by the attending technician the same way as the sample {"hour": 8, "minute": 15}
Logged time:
{"hour": 9, "minute": 44}
